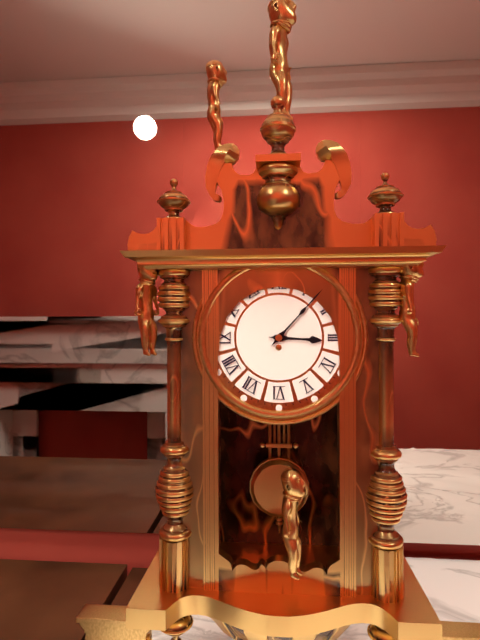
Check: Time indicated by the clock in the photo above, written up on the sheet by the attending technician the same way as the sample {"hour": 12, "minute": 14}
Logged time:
{"hour": 3, "minute": 7}
